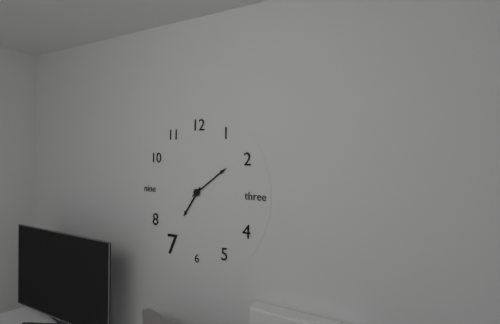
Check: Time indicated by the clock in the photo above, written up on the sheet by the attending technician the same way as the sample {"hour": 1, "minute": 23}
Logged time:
{"hour": 7, "minute": 9}
